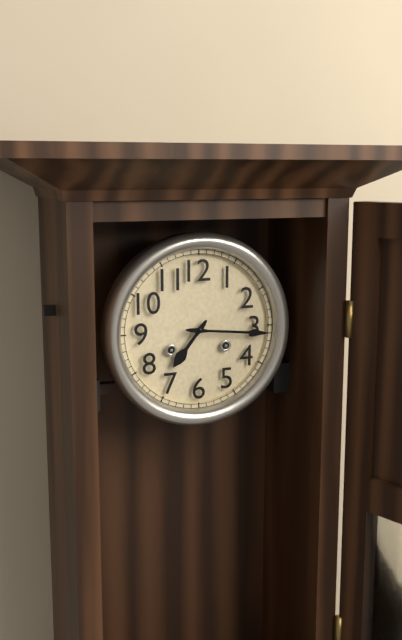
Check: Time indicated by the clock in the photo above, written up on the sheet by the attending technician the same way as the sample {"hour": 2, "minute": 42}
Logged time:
{"hour": 7, "minute": 16}
